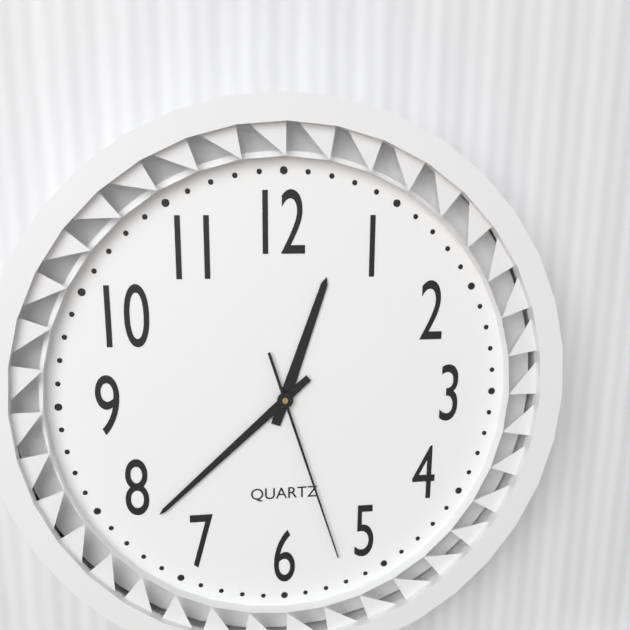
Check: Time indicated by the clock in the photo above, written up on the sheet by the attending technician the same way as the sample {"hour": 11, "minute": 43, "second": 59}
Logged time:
{"hour": 12, "minute": 38, "second": 27}
